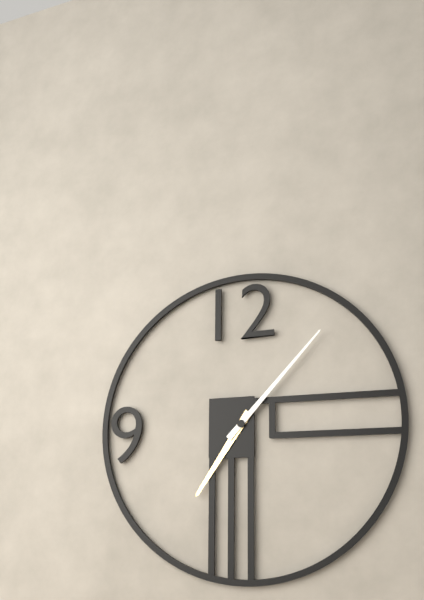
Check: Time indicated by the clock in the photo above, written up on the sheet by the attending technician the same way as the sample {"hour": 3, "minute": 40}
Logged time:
{"hour": 7, "minute": 7}
